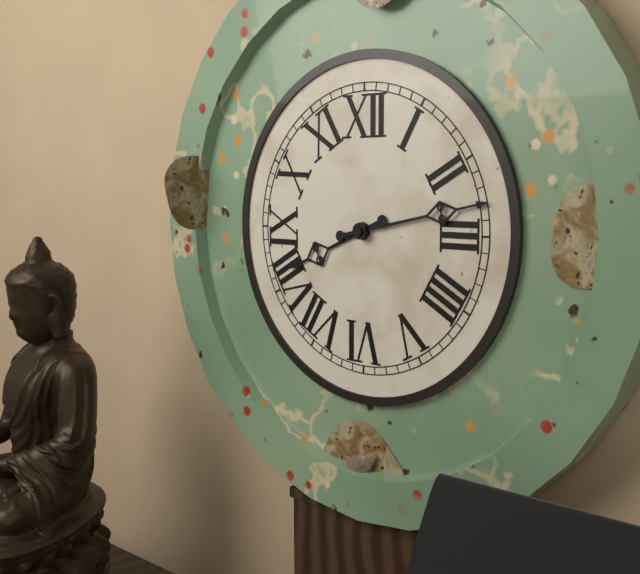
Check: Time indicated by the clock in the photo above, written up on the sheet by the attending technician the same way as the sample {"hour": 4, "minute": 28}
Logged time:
{"hour": 8, "minute": 13}
